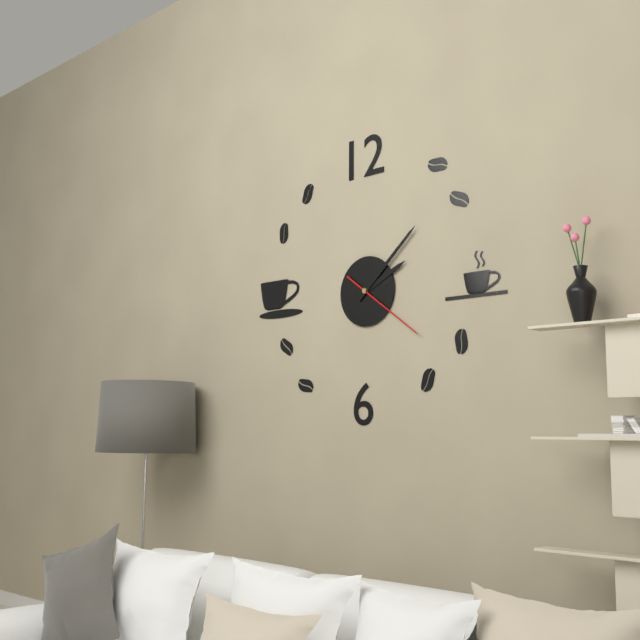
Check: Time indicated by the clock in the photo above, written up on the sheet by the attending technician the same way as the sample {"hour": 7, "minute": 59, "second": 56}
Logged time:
{"hour": 2, "minute": 8, "second": 21}
